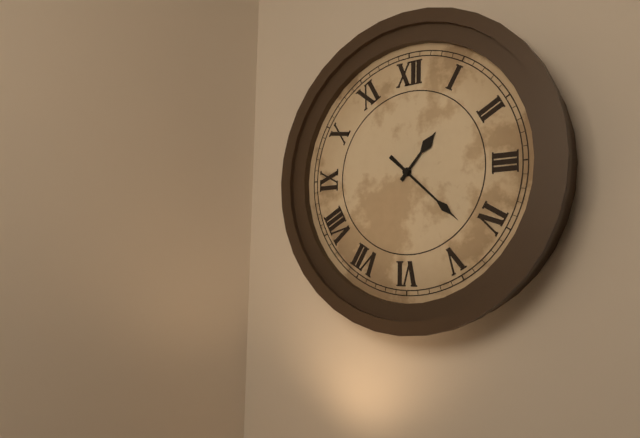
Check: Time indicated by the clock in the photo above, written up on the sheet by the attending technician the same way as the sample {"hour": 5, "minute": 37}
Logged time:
{"hour": 1, "minute": 22}
